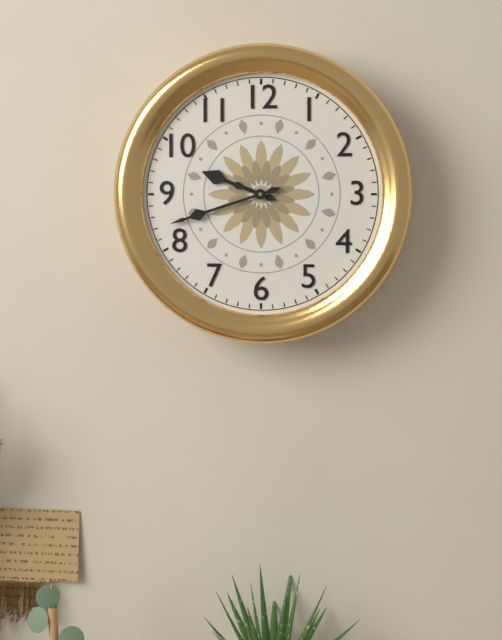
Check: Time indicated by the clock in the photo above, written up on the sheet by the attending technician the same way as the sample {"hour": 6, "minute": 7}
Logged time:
{"hour": 9, "minute": 42}
